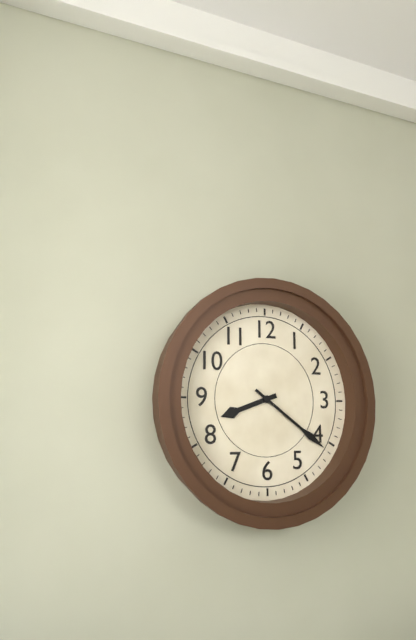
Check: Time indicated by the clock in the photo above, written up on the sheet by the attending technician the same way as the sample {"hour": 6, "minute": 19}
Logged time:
{"hour": 8, "minute": 21}
